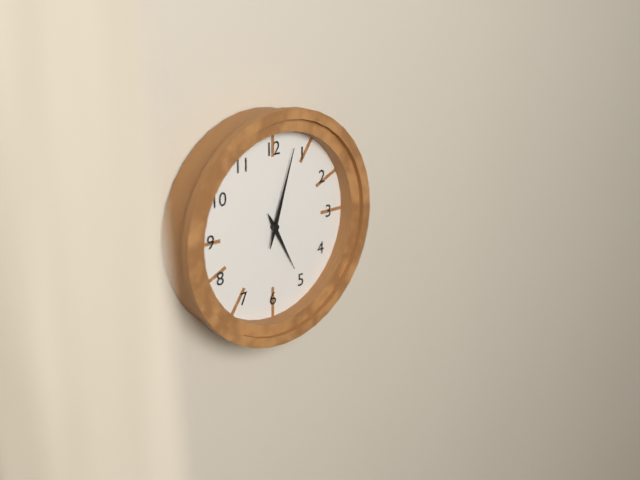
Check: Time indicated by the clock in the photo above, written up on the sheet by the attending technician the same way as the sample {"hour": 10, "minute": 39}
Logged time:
{"hour": 5, "minute": 3}
